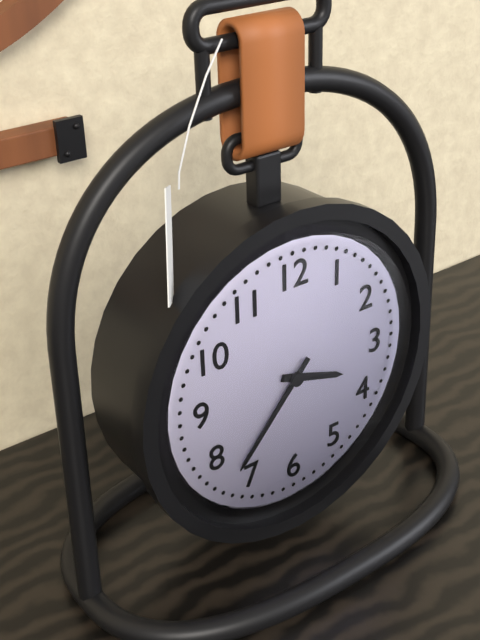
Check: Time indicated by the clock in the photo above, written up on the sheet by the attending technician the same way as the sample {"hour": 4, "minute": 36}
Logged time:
{"hour": 3, "minute": 37}
